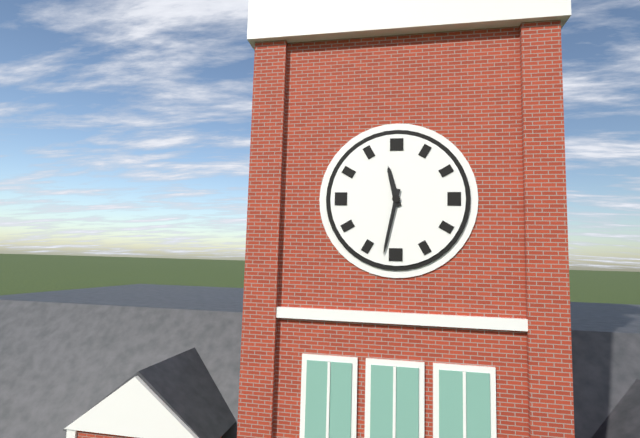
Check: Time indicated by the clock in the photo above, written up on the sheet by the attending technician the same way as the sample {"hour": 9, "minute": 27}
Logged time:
{"hour": 11, "minute": 32}
